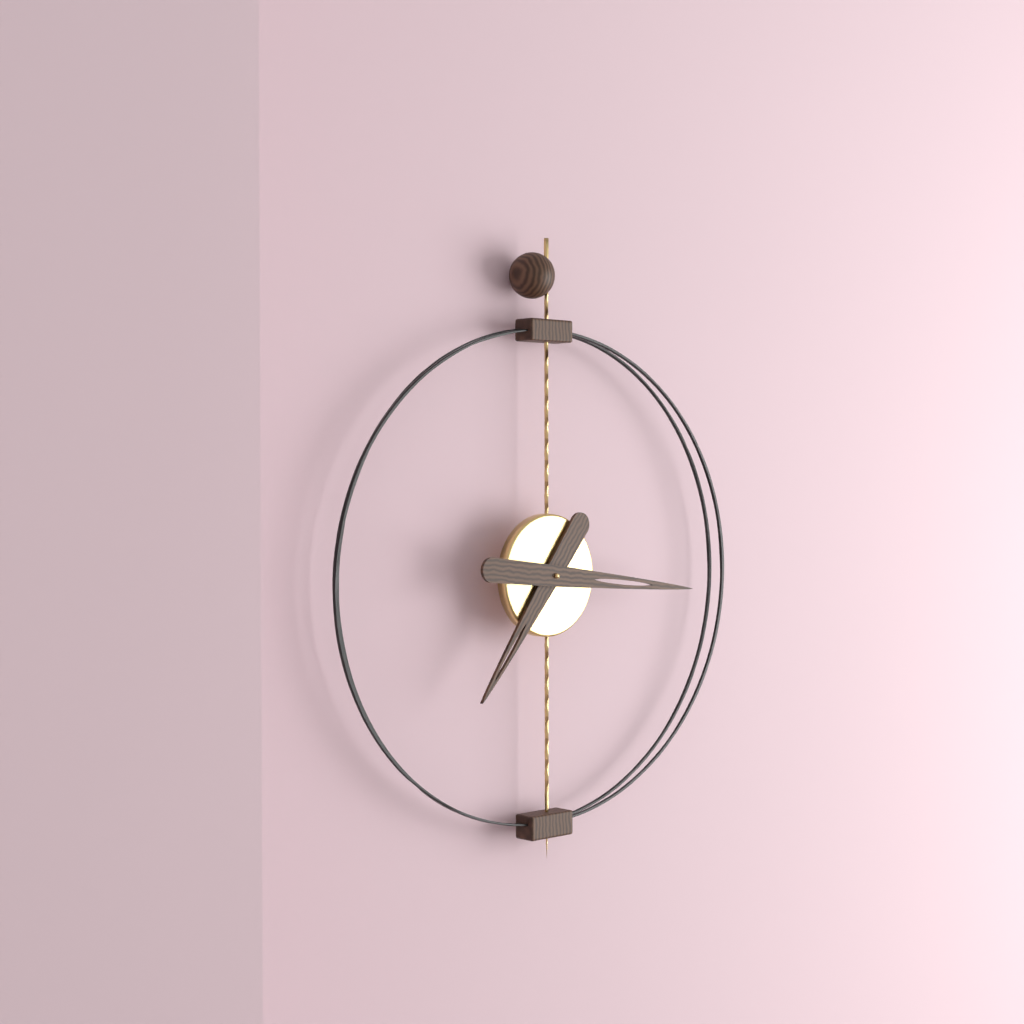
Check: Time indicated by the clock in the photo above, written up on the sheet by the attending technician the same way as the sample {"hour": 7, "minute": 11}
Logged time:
{"hour": 7, "minute": 16}
